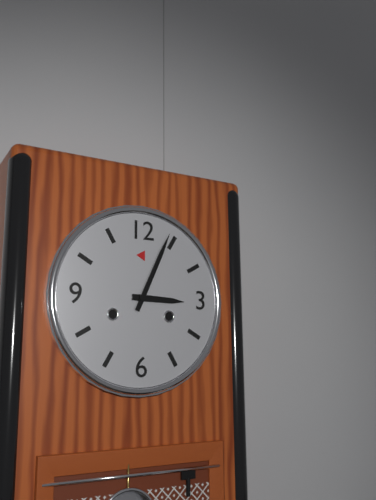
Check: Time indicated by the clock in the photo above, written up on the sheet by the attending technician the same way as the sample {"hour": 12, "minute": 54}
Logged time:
{"hour": 3, "minute": 4}
